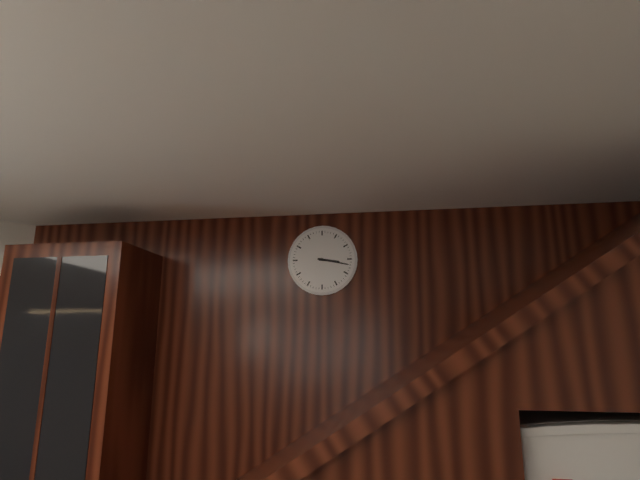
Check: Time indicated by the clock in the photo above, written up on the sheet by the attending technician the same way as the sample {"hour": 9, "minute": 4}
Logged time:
{"hour": 3, "minute": 17}
